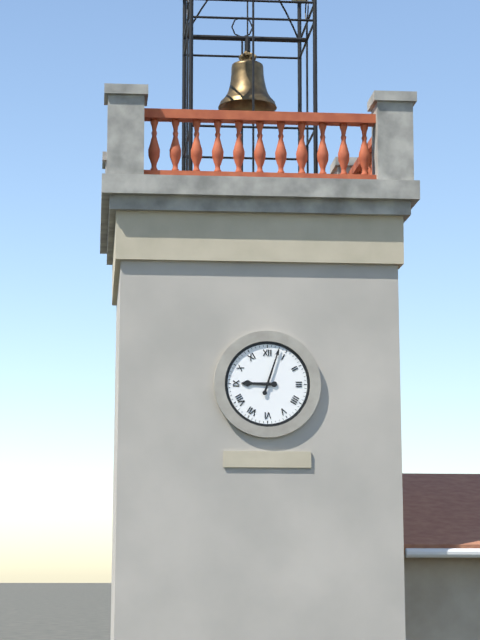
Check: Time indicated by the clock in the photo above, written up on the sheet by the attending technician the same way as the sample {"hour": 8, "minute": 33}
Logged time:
{"hour": 9, "minute": 3}
